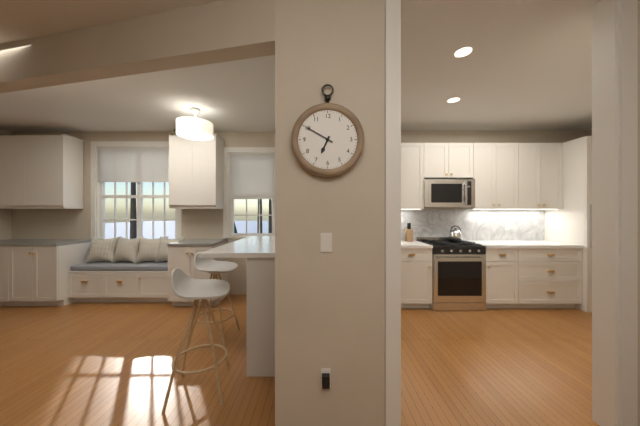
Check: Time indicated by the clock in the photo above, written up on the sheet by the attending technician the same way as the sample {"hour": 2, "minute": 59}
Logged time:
{"hour": 6, "minute": 50}
